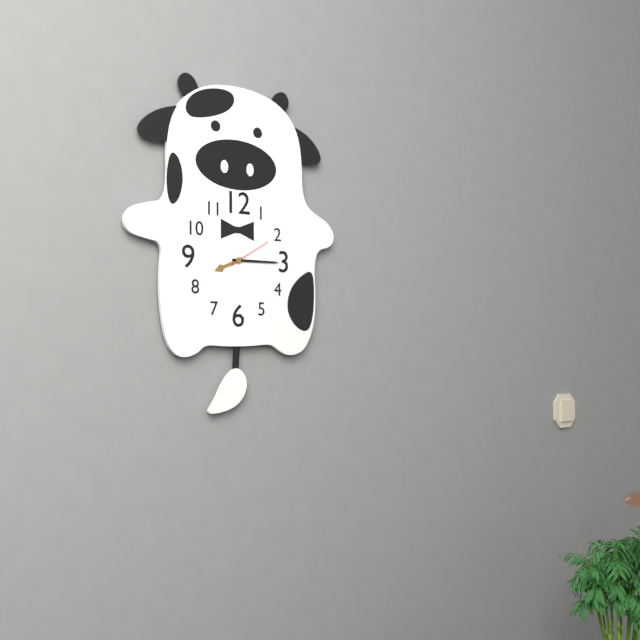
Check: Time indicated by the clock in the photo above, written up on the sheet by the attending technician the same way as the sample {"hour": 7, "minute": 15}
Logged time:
{"hour": 8, "minute": 15}
